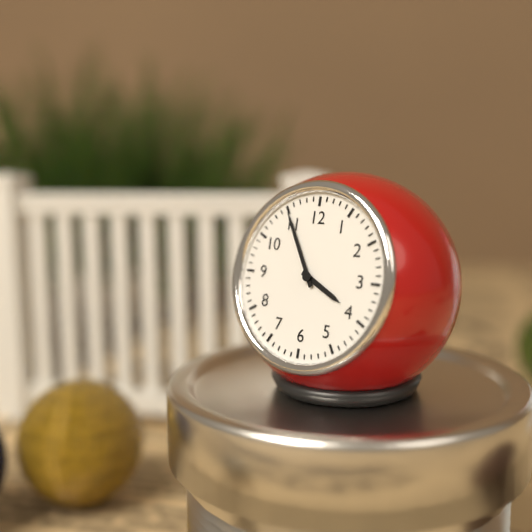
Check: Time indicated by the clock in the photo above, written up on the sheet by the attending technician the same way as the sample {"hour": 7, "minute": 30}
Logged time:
{"hour": 3, "minute": 55}
